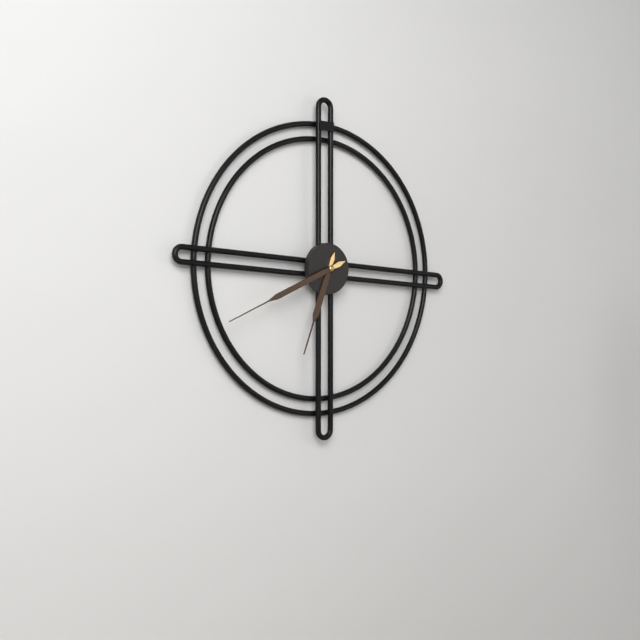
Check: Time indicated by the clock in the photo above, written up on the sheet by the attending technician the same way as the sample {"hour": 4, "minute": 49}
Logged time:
{"hour": 6, "minute": 41}
